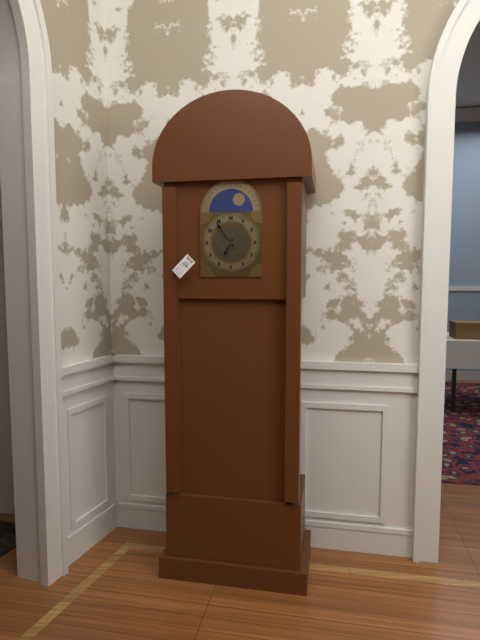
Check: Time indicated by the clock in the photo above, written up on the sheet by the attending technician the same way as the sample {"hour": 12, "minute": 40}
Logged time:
{"hour": 6, "minute": 54}
